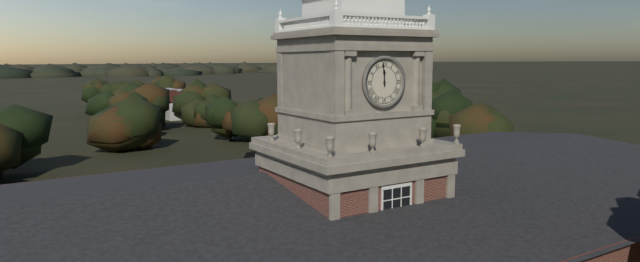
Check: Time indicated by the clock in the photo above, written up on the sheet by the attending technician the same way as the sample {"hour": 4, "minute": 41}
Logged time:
{"hour": 11, "minute": 59}
